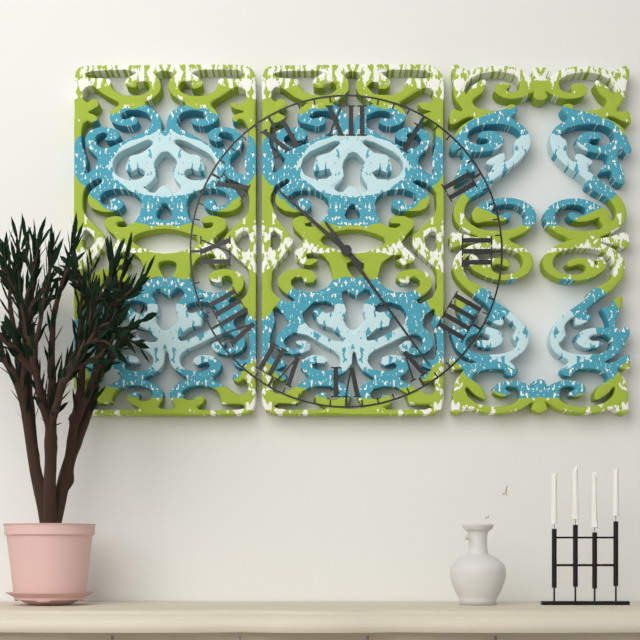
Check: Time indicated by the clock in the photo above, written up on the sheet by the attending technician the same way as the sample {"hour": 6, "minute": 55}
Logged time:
{"hour": 10, "minute": 24}
